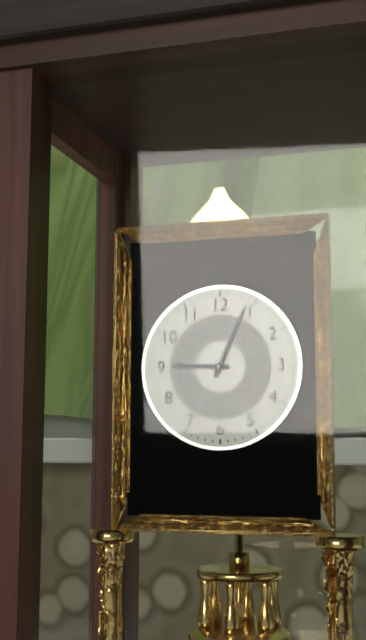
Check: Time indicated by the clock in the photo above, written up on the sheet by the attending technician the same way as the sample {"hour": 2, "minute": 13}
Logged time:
{"hour": 9, "minute": 4}
